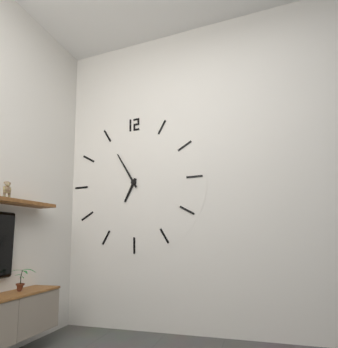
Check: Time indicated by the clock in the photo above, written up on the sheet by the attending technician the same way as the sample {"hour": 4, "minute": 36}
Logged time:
{"hour": 6, "minute": 55}
